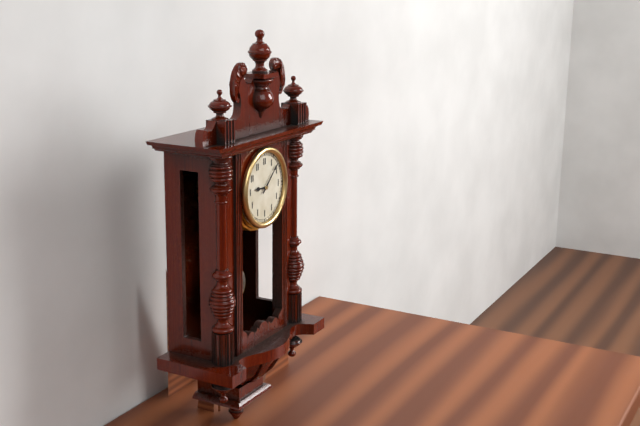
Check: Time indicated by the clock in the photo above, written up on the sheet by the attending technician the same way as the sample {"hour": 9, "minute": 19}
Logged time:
{"hour": 9, "minute": 8}
